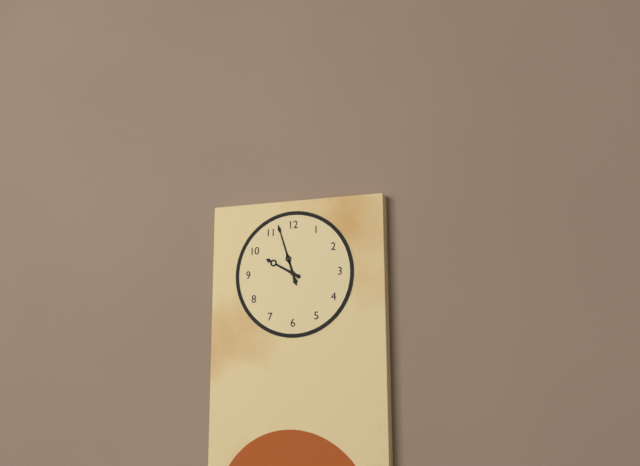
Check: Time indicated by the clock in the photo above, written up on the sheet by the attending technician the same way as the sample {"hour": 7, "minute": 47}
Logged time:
{"hour": 9, "minute": 57}
